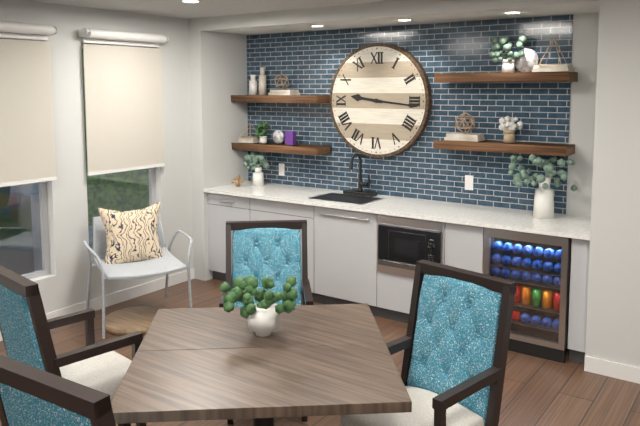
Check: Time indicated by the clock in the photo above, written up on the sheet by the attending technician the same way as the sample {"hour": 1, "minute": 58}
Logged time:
{"hour": 9, "minute": 16}
